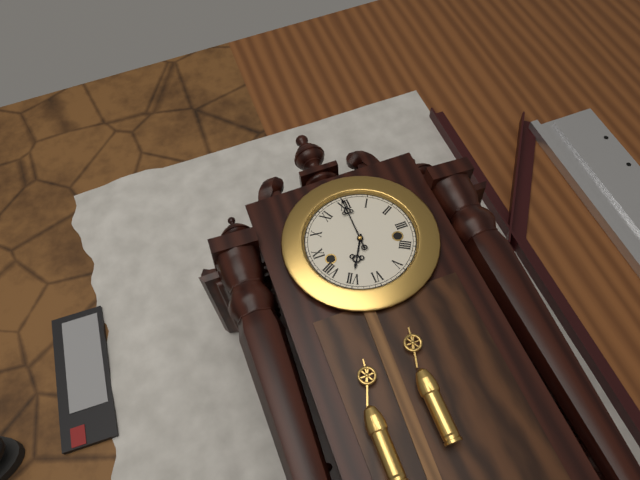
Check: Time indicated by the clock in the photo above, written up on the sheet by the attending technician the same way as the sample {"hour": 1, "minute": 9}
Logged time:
{"hour": 7, "minute": 0}
